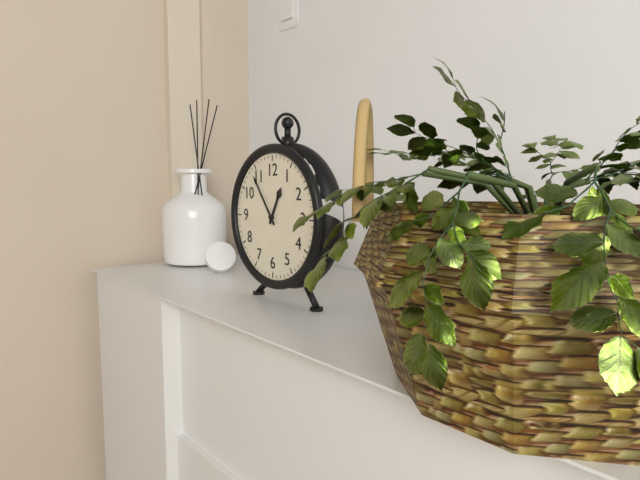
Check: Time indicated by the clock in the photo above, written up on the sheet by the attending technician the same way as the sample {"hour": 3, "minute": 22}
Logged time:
{"hour": 12, "minute": 54}
